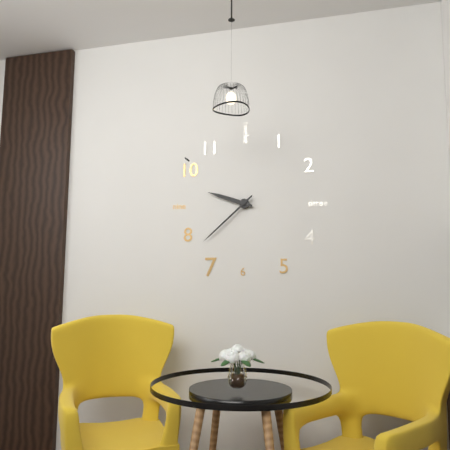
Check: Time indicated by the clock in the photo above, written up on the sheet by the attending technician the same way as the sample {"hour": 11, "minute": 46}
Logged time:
{"hour": 9, "minute": 38}
